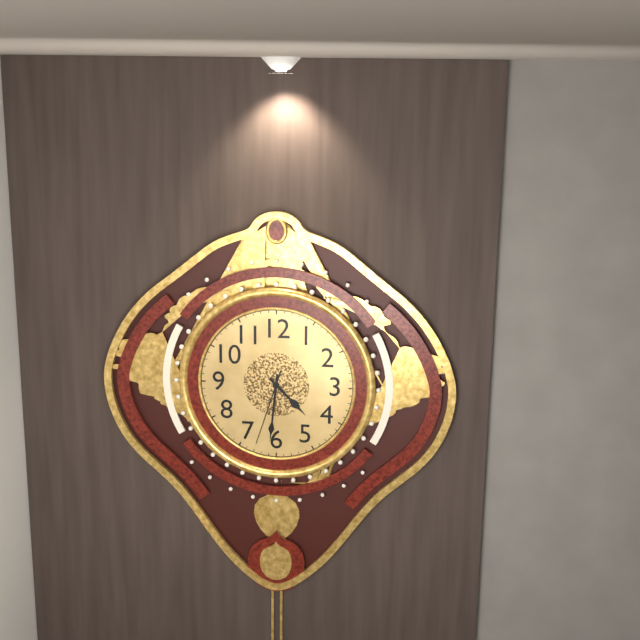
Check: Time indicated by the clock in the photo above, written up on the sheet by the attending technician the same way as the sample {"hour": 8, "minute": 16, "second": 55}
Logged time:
{"hour": 4, "minute": 31, "second": 33}
